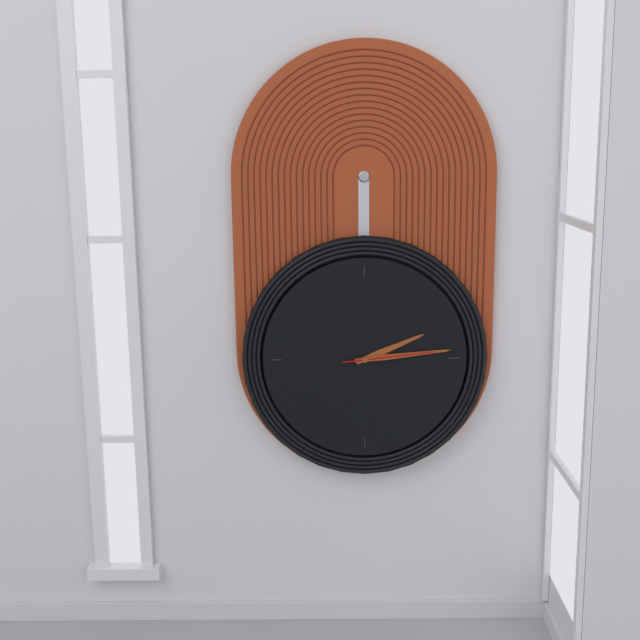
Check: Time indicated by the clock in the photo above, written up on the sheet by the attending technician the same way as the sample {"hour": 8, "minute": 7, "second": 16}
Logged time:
{"hour": 2, "minute": 14, "second": 14}
